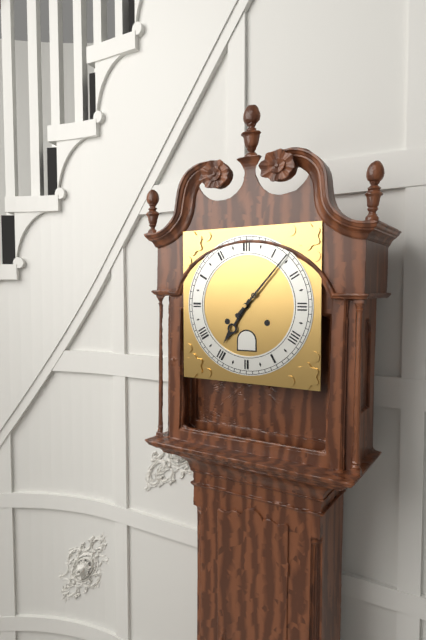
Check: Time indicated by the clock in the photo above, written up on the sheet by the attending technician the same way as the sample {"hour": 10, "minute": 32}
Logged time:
{"hour": 7, "minute": 7}
